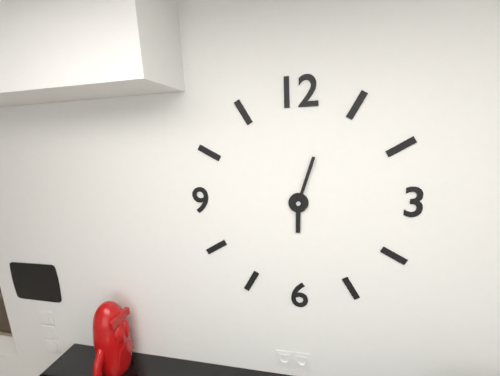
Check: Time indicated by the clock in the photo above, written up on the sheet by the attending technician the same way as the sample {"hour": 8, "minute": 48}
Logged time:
{"hour": 6, "minute": 3}
